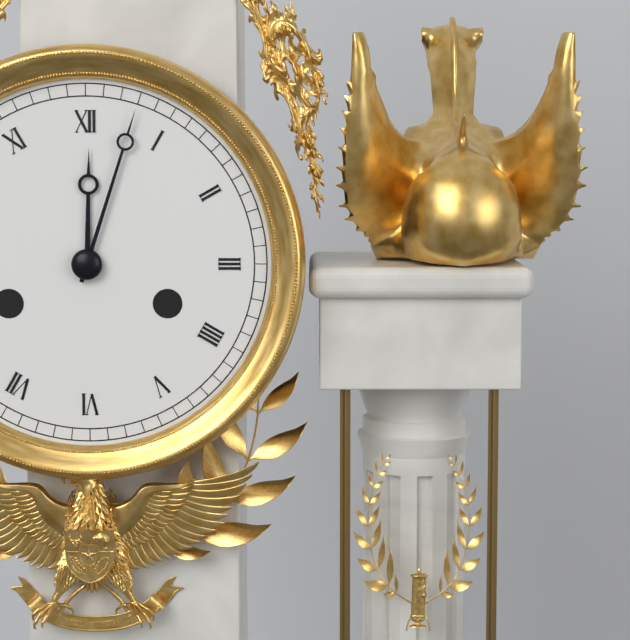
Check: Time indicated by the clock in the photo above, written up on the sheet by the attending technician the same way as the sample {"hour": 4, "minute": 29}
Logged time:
{"hour": 12, "minute": 3}
